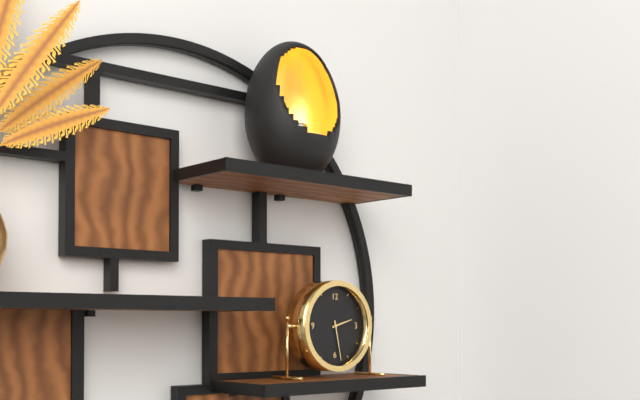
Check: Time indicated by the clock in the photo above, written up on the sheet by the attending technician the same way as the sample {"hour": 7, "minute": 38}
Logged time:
{"hour": 2, "minute": 28}
